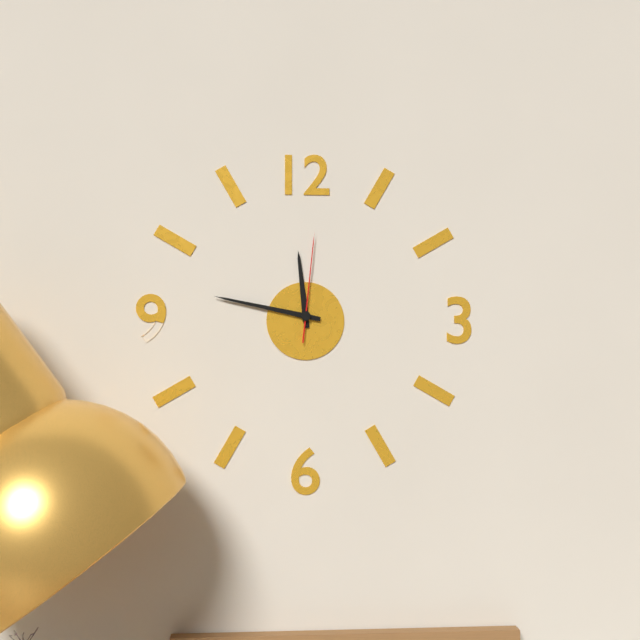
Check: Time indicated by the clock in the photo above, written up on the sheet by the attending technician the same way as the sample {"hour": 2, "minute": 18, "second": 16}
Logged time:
{"hour": 11, "minute": 47, "second": 1}
